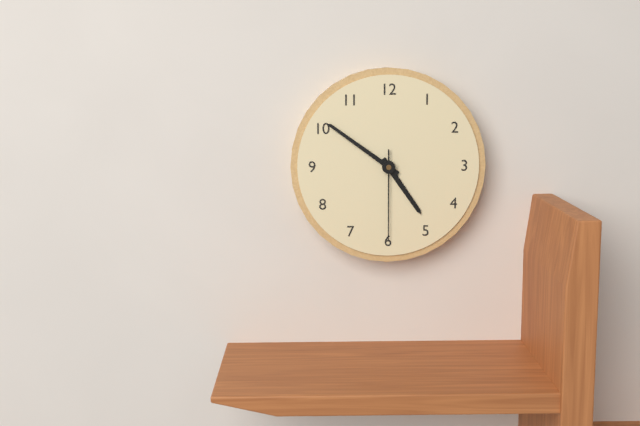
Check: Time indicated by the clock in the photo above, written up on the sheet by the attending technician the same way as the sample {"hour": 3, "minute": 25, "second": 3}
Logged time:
{"hour": 4, "minute": 51, "second": 30}
